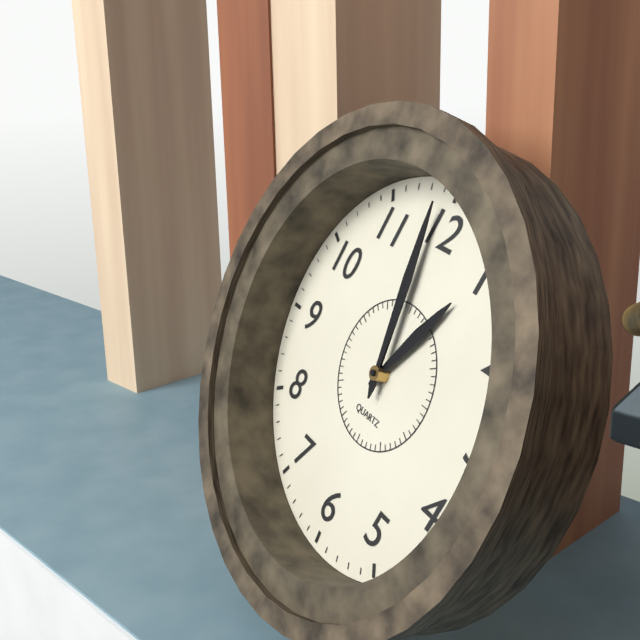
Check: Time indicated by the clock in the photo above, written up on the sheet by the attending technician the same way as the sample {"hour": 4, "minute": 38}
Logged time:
{"hour": 12, "minute": 59}
